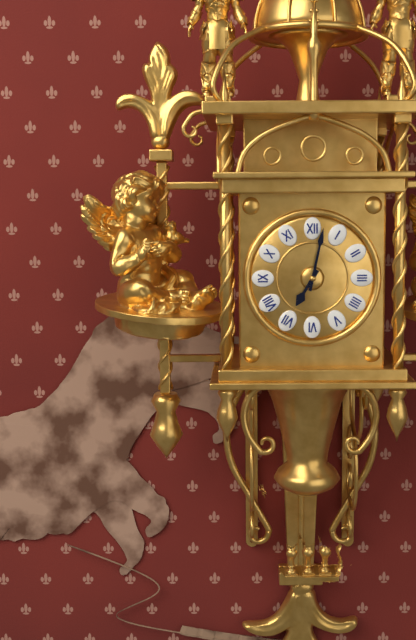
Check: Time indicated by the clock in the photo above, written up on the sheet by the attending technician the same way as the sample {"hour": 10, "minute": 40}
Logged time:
{"hour": 7, "minute": 2}
